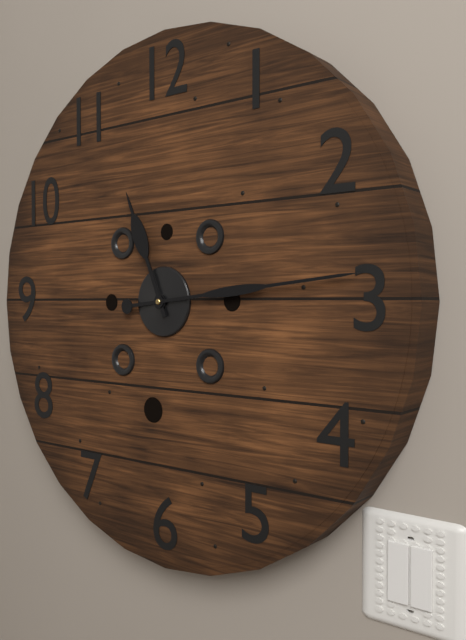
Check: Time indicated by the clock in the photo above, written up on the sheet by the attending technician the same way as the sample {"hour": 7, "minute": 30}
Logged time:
{"hour": 11, "minute": 14}
